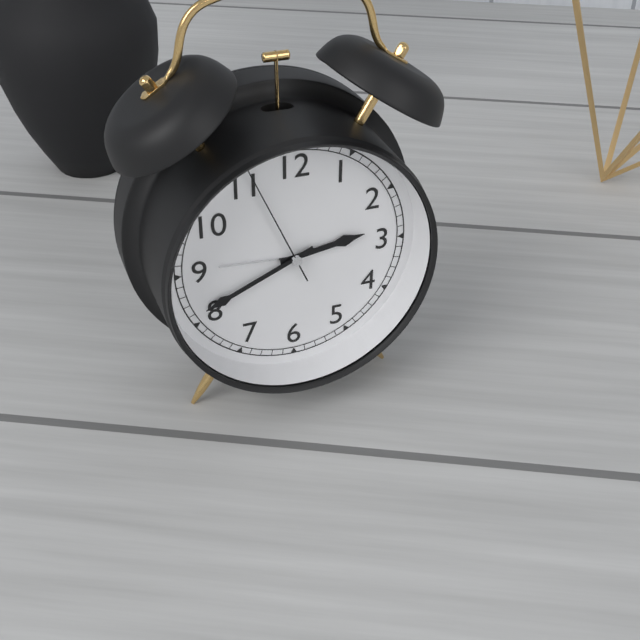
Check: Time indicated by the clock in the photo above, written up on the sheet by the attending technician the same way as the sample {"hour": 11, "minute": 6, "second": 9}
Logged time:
{"hour": 2, "minute": 41, "second": 56}
